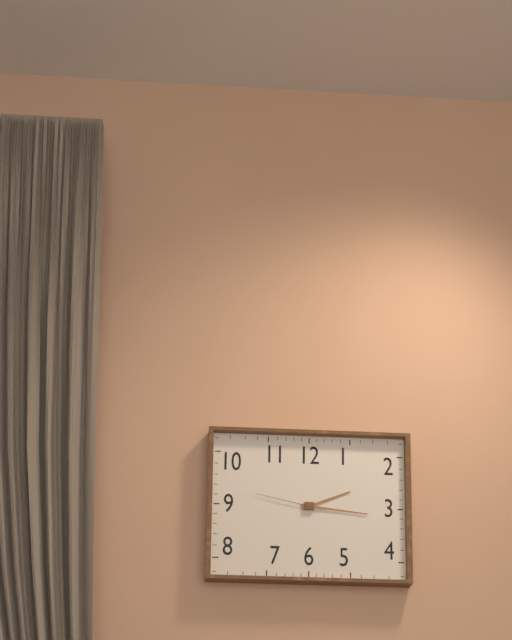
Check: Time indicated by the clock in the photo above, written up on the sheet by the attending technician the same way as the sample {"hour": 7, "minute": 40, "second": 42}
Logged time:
{"hour": 2, "minute": 16, "second": 47}
